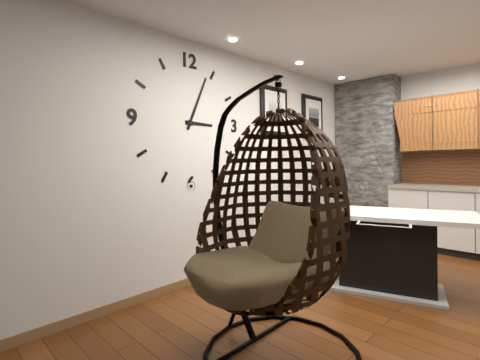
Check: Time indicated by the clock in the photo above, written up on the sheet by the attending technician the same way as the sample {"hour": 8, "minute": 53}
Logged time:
{"hour": 3, "minute": 4}
